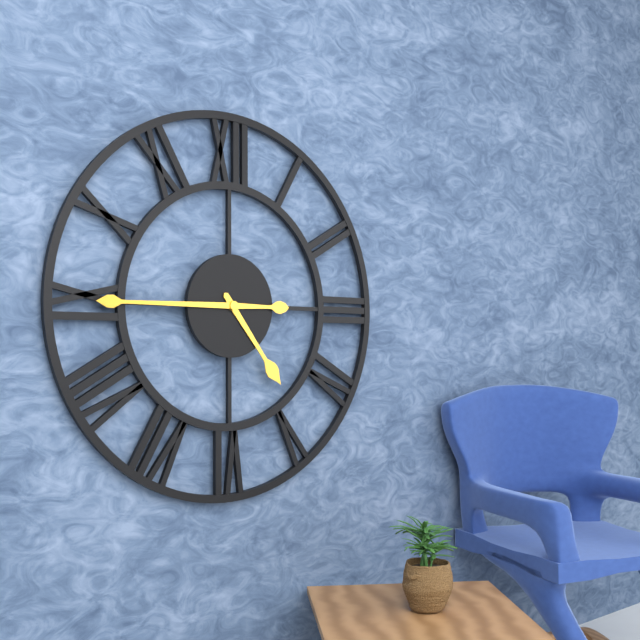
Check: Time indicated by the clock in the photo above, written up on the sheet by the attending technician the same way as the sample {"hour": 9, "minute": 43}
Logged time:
{"hour": 4, "minute": 45}
